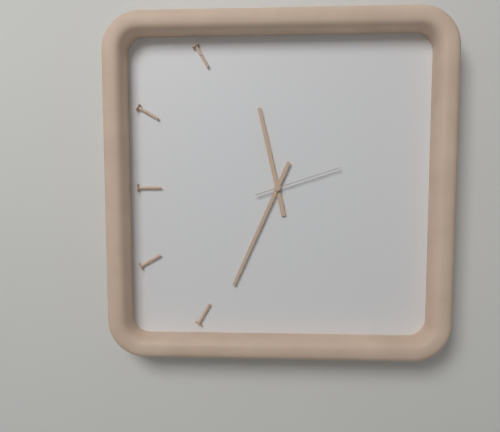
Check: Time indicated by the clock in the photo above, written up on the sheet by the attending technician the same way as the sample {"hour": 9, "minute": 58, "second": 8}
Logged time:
{"hour": 11, "minute": 34, "second": 12}
